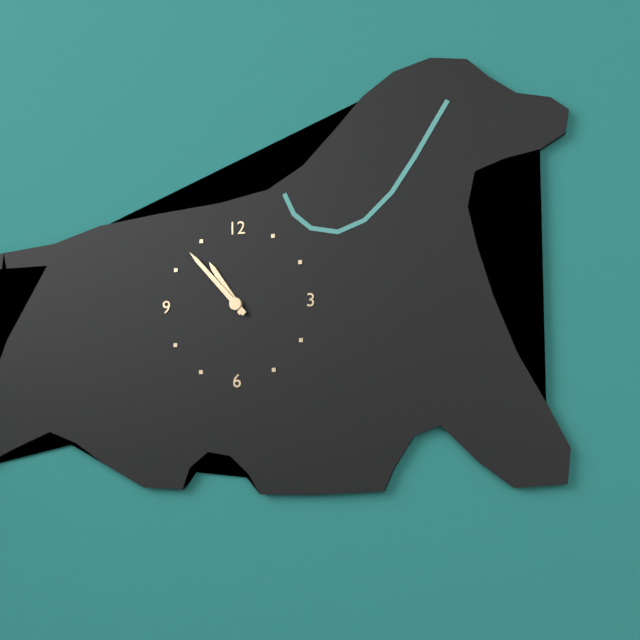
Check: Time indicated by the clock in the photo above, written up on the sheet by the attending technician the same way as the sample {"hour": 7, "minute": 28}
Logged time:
{"hour": 10, "minute": 53}
